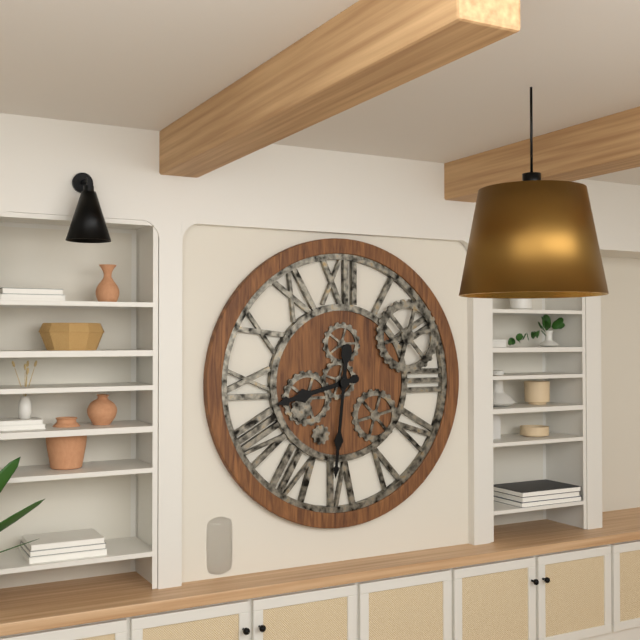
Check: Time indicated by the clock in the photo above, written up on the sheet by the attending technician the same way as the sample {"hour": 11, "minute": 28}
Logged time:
{"hour": 8, "minute": 31}
